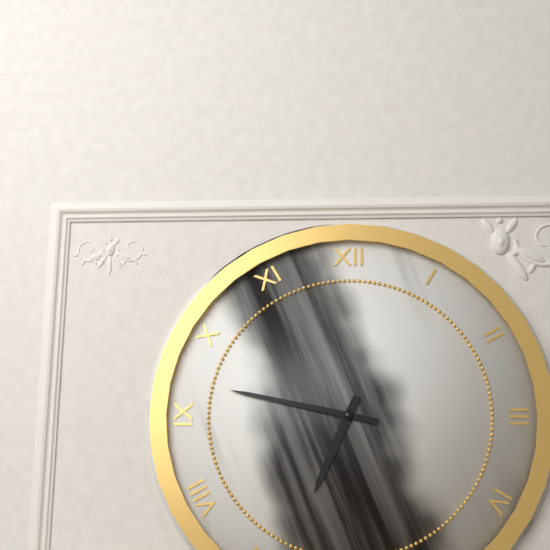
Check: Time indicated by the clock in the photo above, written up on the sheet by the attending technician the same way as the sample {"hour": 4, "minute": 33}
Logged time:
{"hour": 6, "minute": 47}
